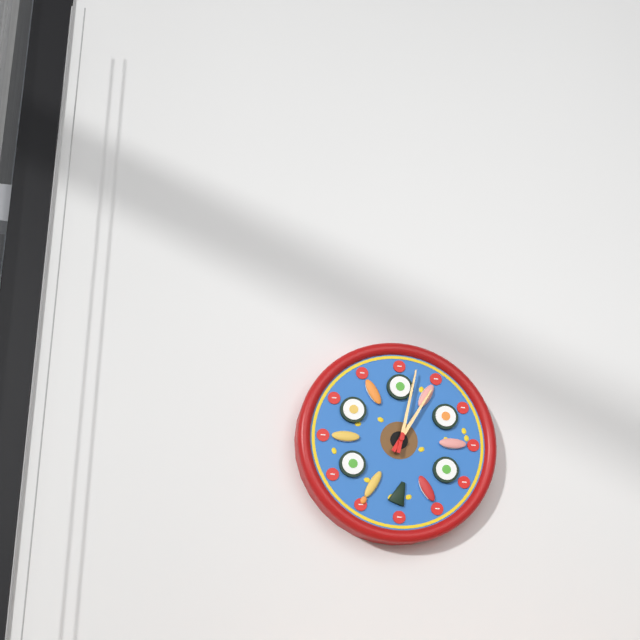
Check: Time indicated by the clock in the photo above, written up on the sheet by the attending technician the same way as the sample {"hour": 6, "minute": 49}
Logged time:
{"hour": 1, "minute": 2}
